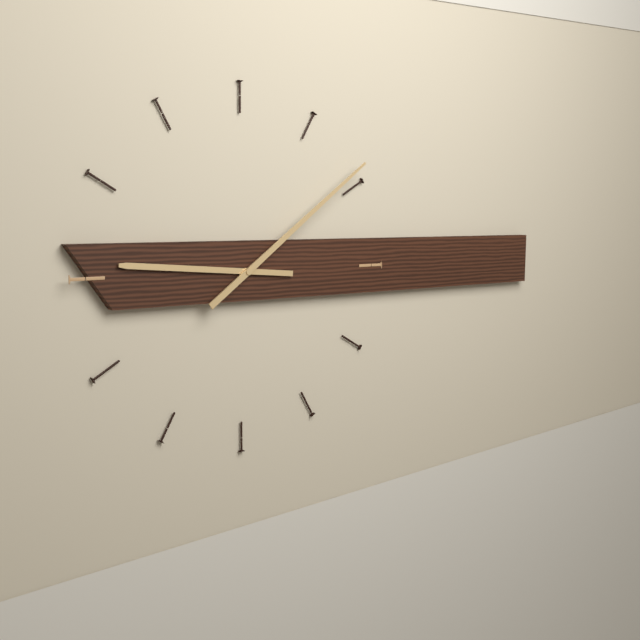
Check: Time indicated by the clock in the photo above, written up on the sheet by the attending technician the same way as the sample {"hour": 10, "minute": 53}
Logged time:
{"hour": 9, "minute": 9}
